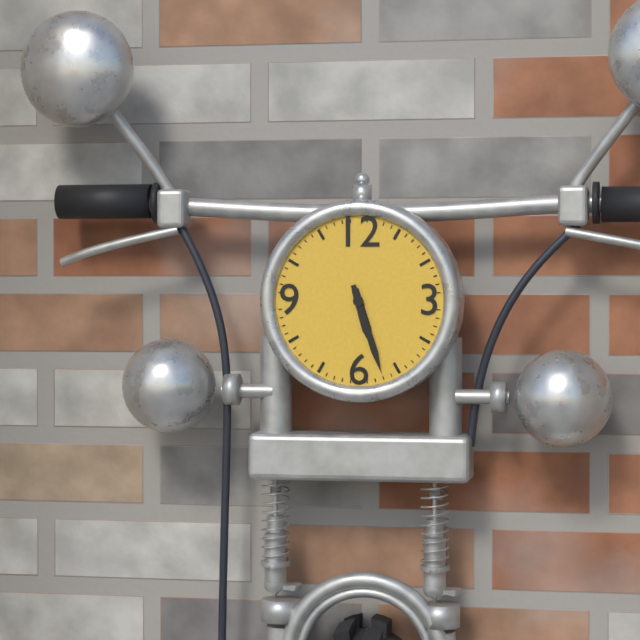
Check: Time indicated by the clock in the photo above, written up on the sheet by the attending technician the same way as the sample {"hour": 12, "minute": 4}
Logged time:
{"hour": 5, "minute": 27}
